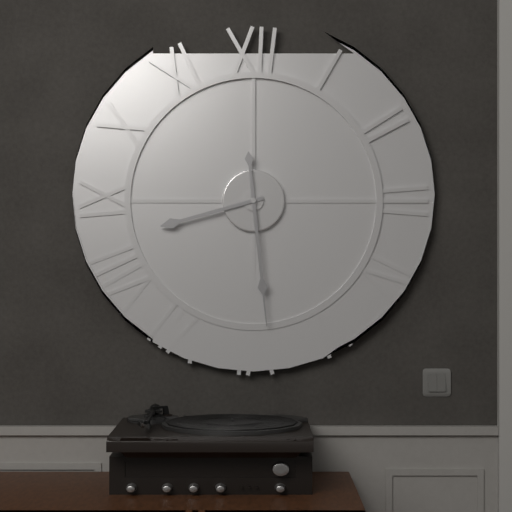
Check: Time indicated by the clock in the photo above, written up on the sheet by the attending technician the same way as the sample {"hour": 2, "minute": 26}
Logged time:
{"hour": 8, "minute": 29}
